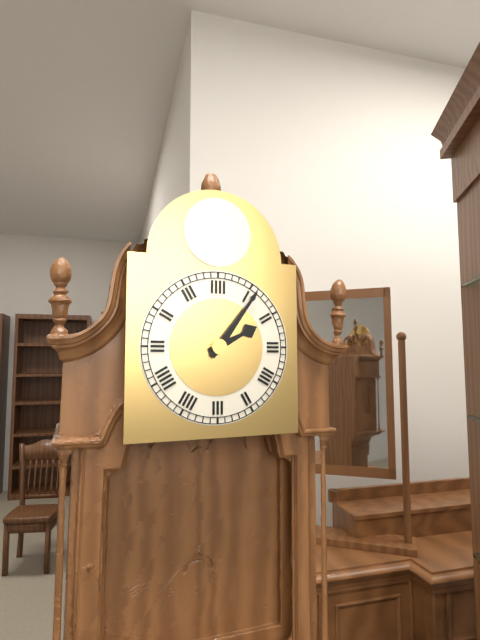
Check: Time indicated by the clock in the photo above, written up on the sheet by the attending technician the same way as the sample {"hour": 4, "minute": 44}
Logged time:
{"hour": 2, "minute": 6}
